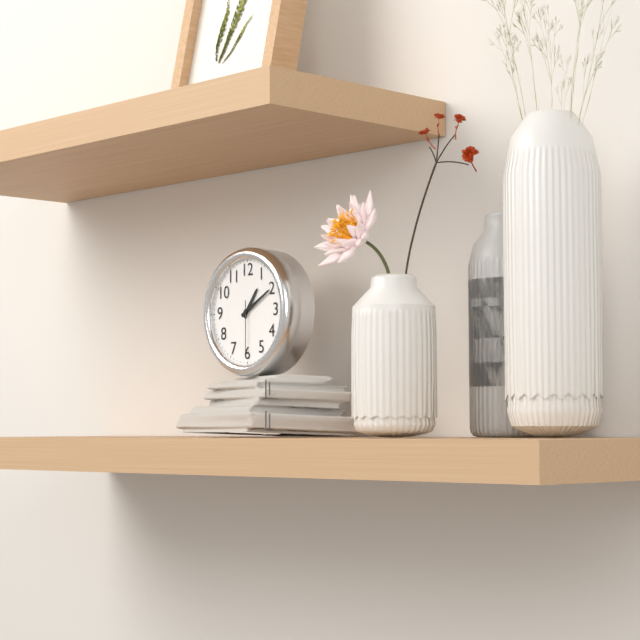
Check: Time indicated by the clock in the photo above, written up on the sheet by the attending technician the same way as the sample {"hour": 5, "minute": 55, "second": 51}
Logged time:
{"hour": 1, "minute": 10, "second": 30}
